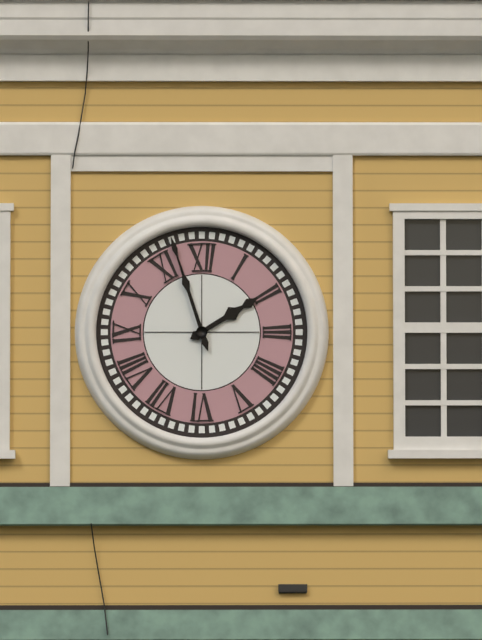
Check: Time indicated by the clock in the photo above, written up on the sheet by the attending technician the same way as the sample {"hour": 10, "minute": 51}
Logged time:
{"hour": 1, "minute": 57}
